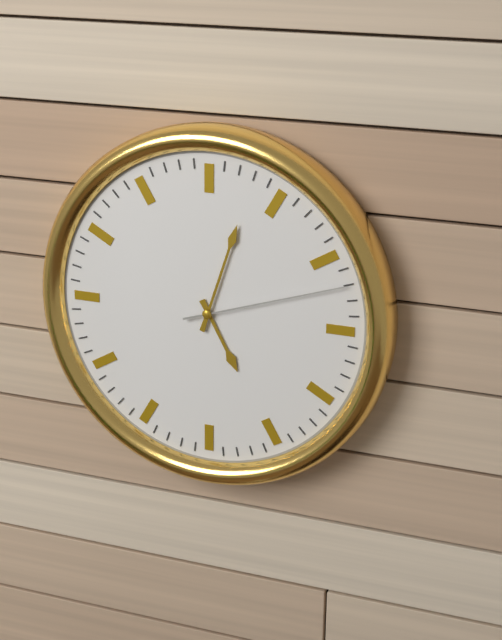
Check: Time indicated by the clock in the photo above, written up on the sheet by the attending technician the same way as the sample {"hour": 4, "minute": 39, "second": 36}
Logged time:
{"hour": 5, "minute": 3, "second": 12}
